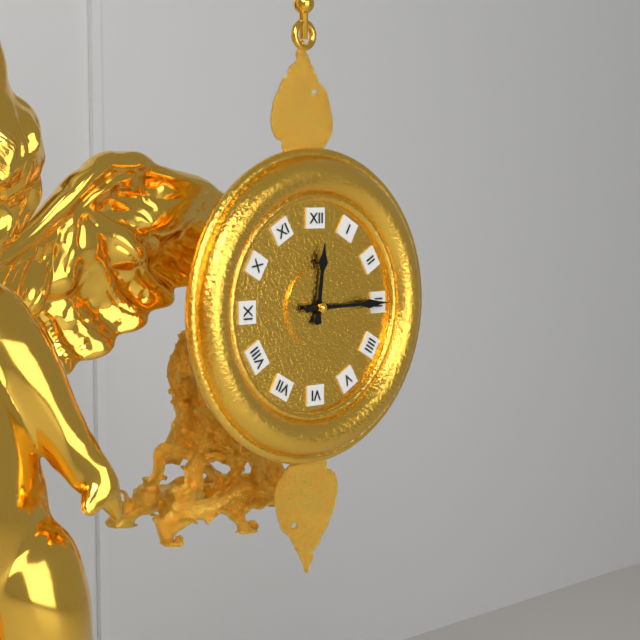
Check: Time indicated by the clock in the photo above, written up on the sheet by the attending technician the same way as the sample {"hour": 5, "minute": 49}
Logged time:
{"hour": 12, "minute": 15}
